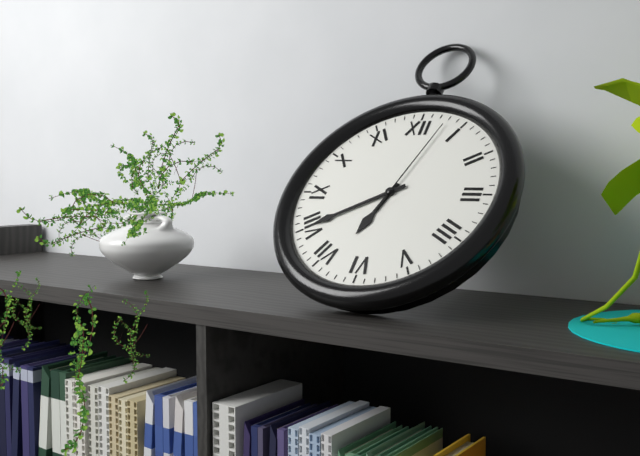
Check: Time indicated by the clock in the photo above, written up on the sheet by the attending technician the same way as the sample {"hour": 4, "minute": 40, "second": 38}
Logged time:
{"hour": 6, "minute": 40, "second": 3}
